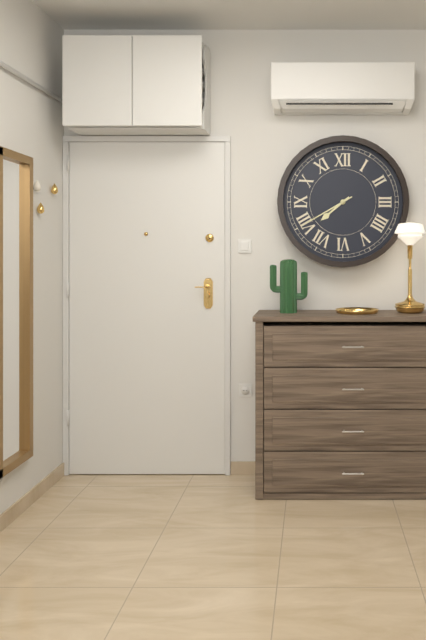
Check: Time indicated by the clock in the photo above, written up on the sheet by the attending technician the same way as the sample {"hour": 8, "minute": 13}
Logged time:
{"hour": 7, "minute": 40}
